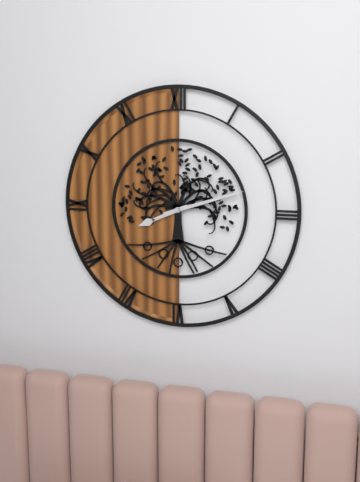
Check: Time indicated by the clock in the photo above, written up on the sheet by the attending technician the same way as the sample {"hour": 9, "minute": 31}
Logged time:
{"hour": 8, "minute": 12}
